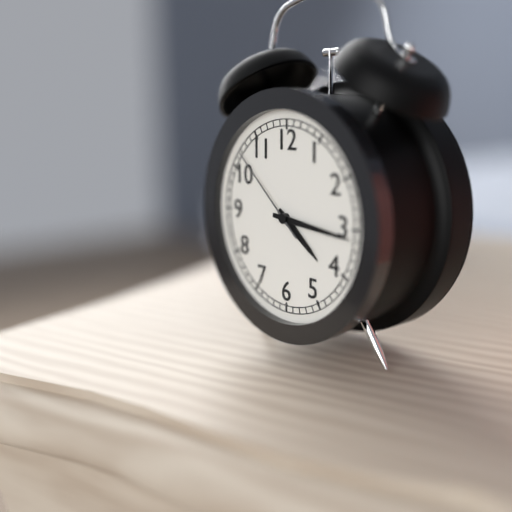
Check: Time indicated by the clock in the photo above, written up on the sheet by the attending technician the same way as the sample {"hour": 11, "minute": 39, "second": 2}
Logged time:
{"hour": 4, "minute": 16, "second": 52}
